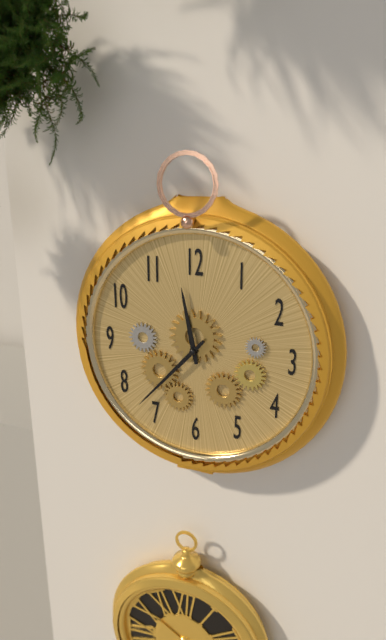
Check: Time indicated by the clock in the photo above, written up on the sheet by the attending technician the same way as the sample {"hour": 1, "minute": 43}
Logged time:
{"hour": 11, "minute": 37}
